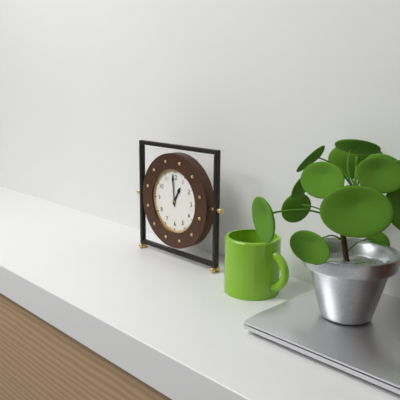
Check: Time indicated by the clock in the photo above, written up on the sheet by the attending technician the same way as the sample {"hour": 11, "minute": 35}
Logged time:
{"hour": 12, "minute": 59}
